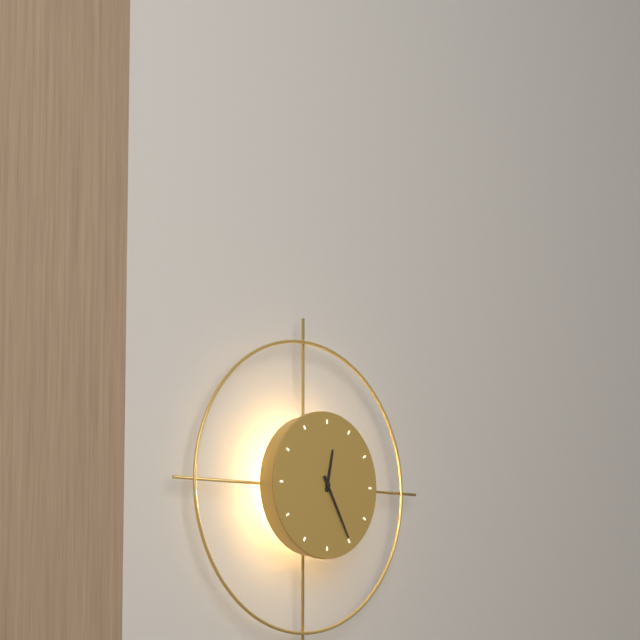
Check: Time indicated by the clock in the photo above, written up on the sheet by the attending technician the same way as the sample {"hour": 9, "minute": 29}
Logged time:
{"hour": 12, "minute": 25}
